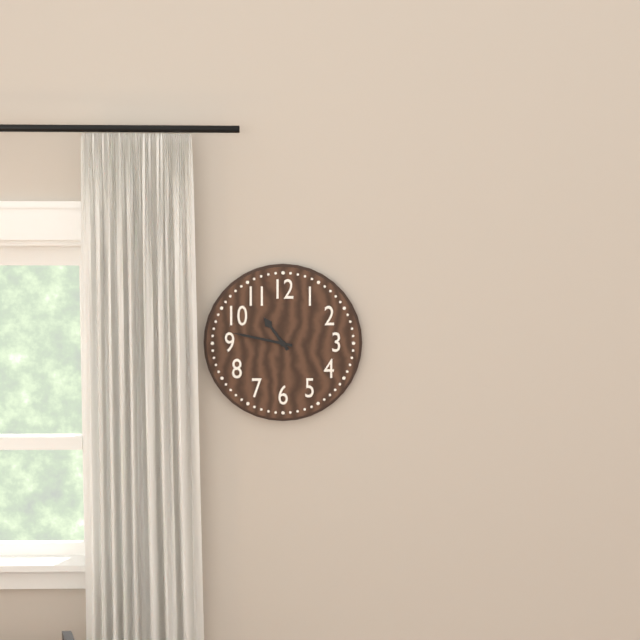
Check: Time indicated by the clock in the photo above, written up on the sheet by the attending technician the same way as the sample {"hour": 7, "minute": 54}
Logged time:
{"hour": 10, "minute": 47}
